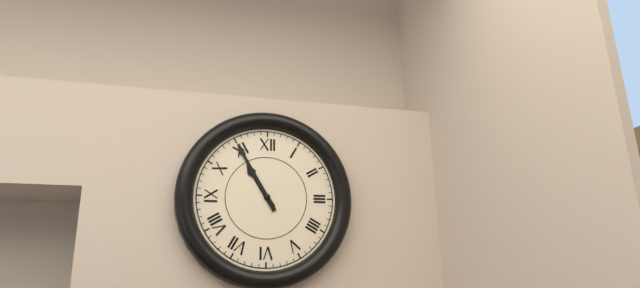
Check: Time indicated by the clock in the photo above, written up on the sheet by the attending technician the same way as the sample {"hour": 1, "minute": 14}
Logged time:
{"hour": 10, "minute": 55}
